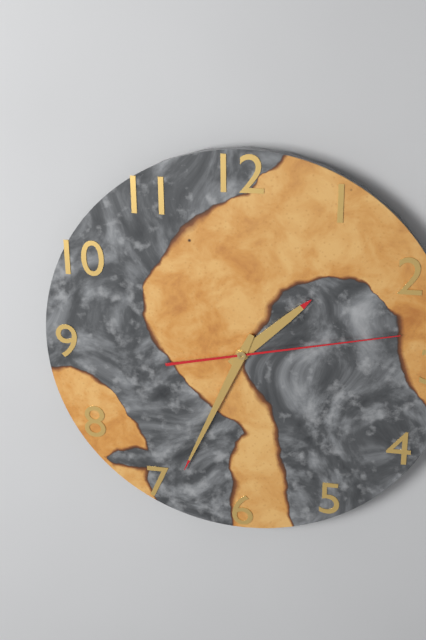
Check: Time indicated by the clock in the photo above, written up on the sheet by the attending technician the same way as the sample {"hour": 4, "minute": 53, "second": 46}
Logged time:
{"hour": 1, "minute": 34, "second": 13}
